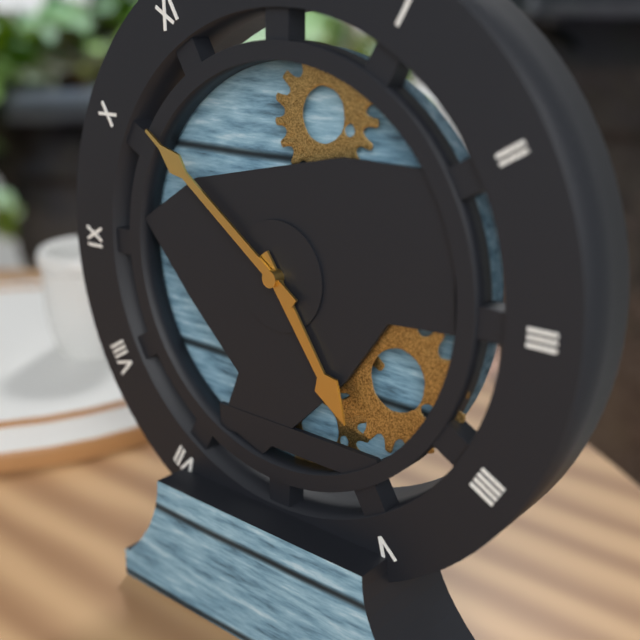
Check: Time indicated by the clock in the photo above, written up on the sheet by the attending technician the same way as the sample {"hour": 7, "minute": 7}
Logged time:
{"hour": 4, "minute": 51}
